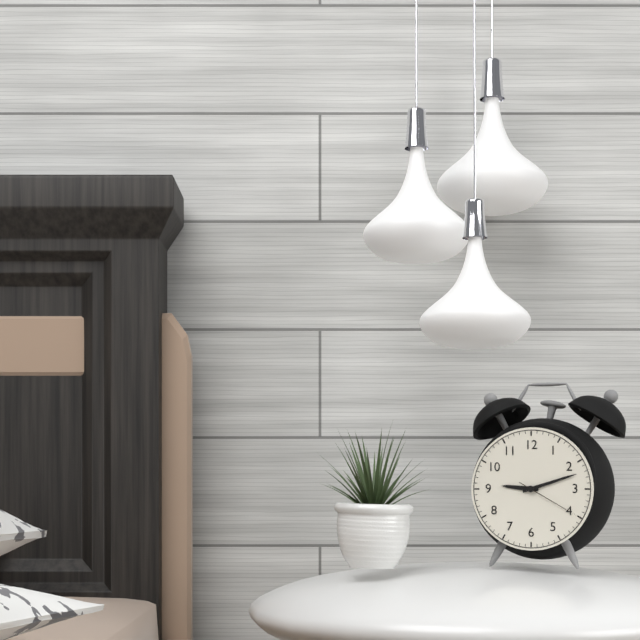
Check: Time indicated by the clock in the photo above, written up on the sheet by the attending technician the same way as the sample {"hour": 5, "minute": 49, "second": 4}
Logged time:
{"hour": 9, "minute": 12, "second": 20}
